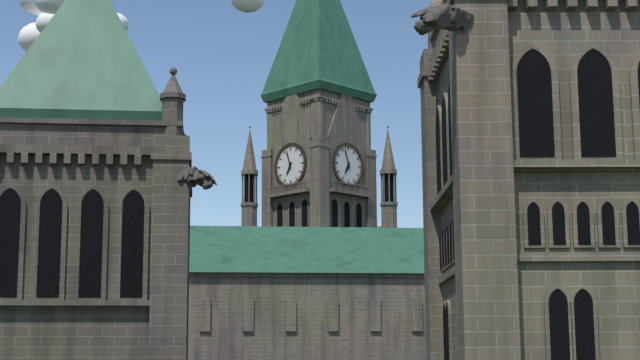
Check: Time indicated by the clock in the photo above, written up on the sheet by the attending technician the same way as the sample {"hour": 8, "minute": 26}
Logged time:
{"hour": 6, "minute": 57}
